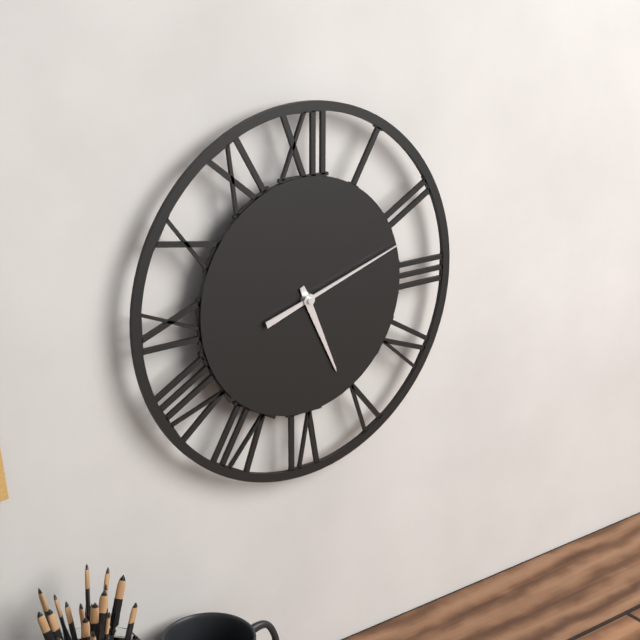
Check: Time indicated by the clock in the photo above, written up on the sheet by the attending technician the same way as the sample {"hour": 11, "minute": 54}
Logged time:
{"hour": 5, "minute": 12}
